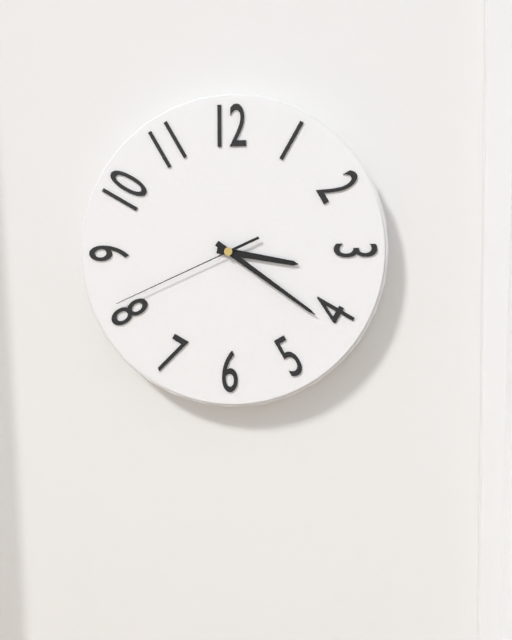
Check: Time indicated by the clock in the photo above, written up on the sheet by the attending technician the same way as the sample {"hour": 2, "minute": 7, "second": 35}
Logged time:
{"hour": 3, "minute": 21, "second": 41}
